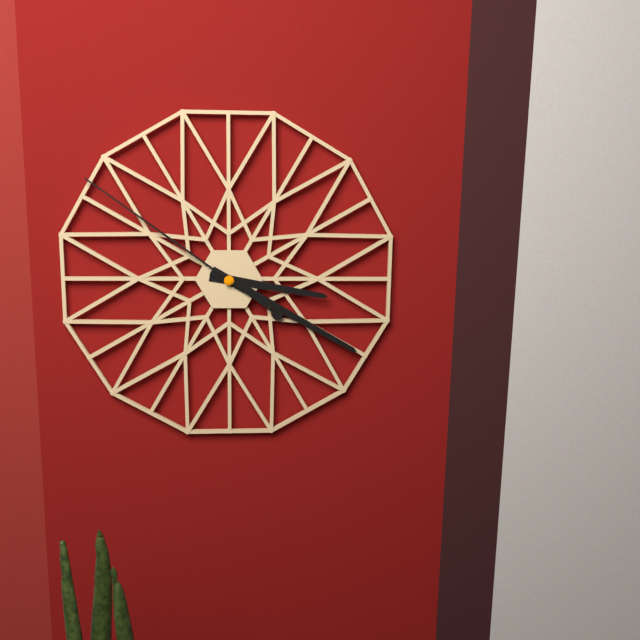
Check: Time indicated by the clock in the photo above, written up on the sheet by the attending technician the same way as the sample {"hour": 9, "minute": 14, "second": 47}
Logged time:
{"hour": 3, "minute": 20, "second": 51}
